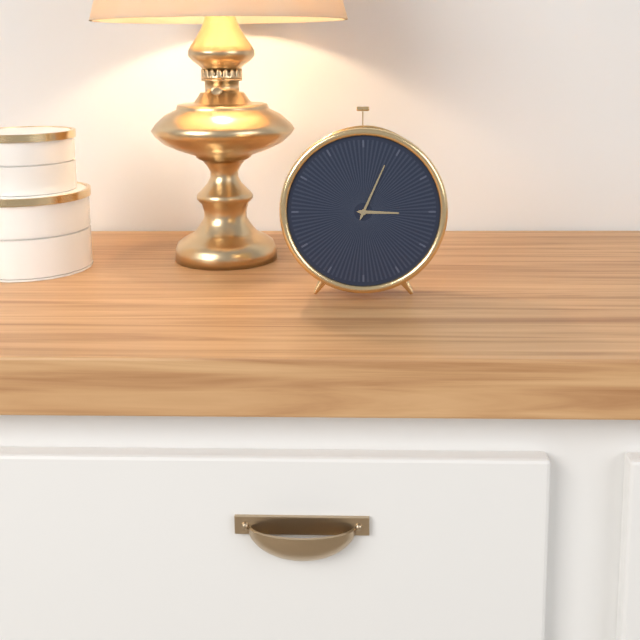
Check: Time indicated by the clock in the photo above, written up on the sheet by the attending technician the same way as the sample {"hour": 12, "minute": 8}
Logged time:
{"hour": 3, "minute": 4}
